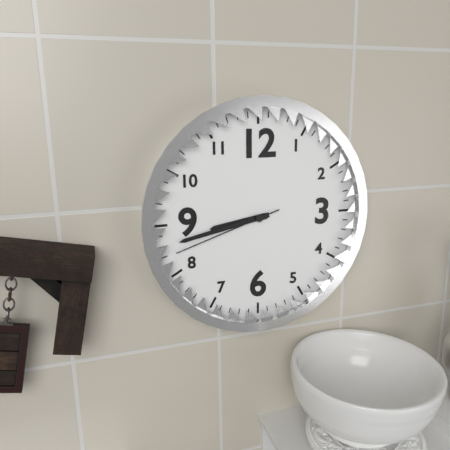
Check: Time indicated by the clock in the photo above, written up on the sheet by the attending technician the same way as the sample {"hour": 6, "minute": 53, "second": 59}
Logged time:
{"hour": 8, "minute": 43, "second": 42}
